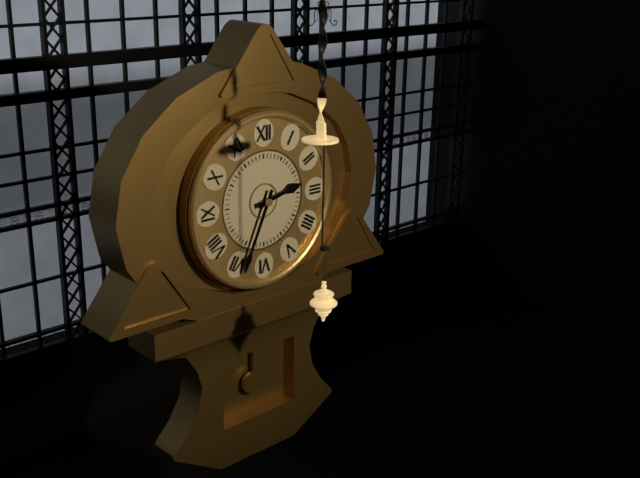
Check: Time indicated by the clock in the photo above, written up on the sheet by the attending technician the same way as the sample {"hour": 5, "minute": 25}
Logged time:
{"hour": 2, "minute": 34}
